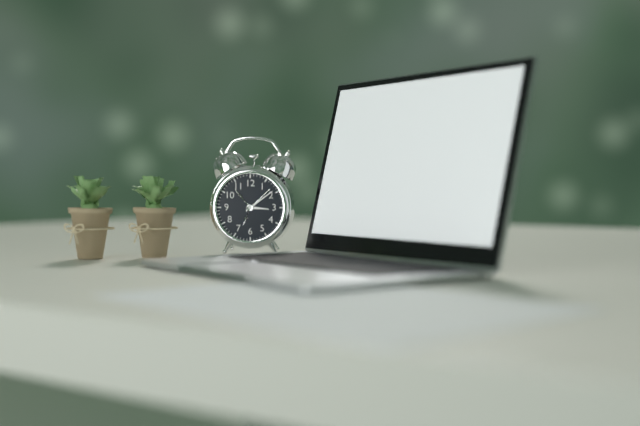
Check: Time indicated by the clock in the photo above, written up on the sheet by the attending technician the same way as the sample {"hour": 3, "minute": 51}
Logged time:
{"hour": 3, "minute": 9}
